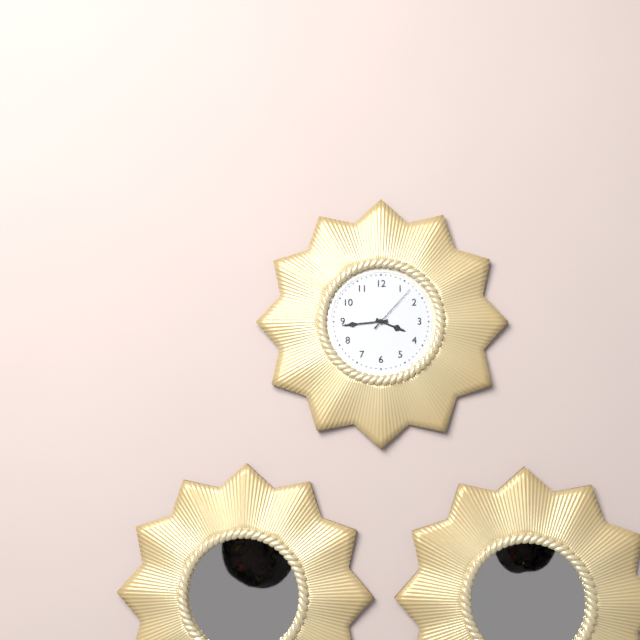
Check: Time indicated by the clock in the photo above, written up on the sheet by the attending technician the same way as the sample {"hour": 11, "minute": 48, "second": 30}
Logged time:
{"hour": 3, "minute": 44, "second": 7}
